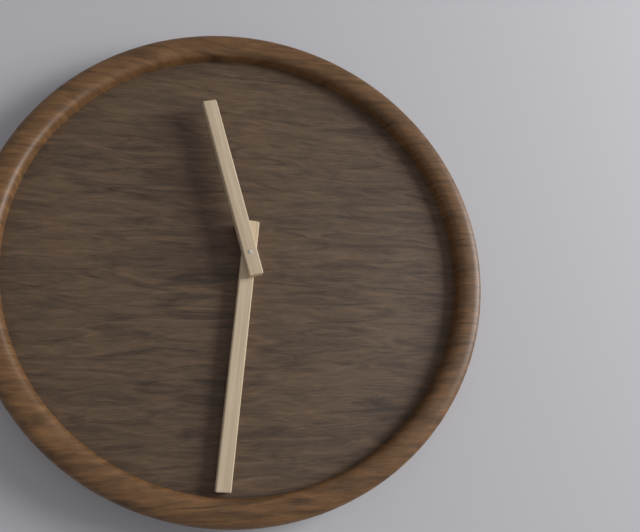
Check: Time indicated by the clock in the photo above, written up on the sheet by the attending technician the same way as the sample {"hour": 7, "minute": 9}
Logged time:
{"hour": 11, "minute": 31}
